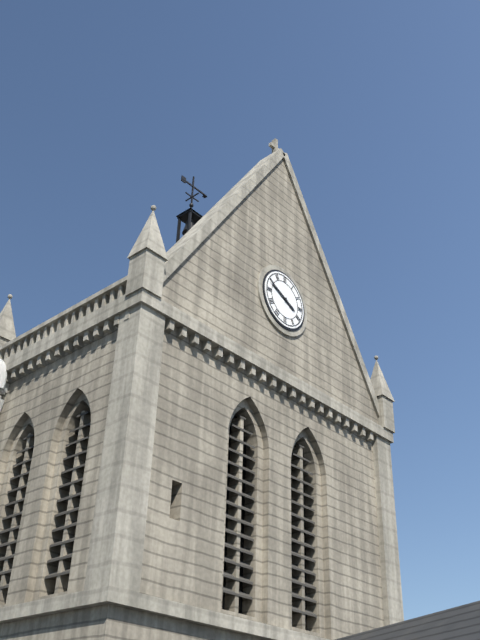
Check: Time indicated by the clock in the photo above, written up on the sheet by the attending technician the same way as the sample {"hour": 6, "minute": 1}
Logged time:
{"hour": 3, "minute": 49}
